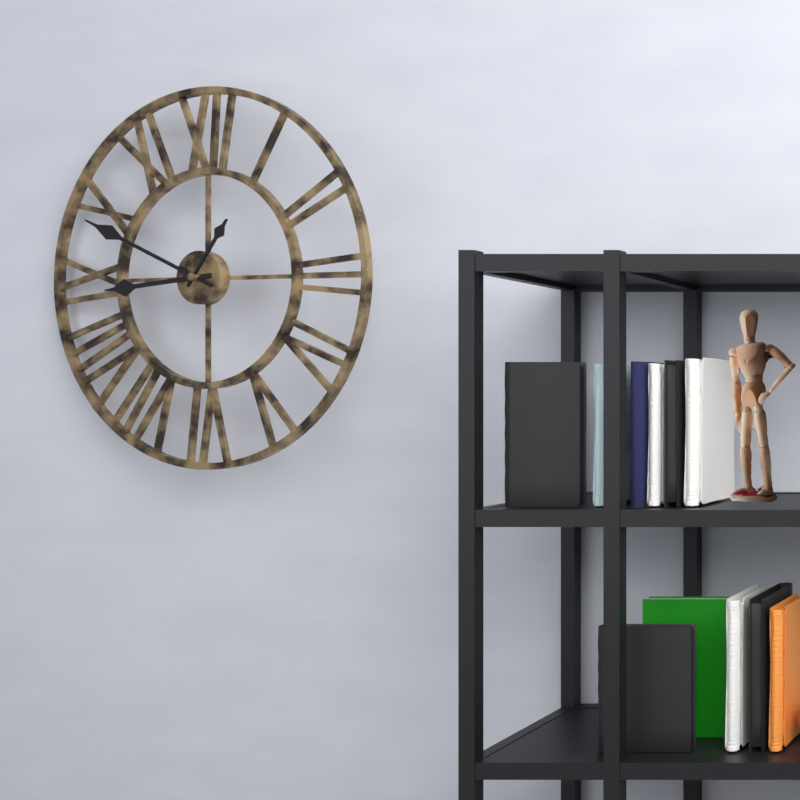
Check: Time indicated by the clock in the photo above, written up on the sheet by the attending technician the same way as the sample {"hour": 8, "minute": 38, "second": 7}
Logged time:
{"hour": 8, "minute": 49, "second": 6}
